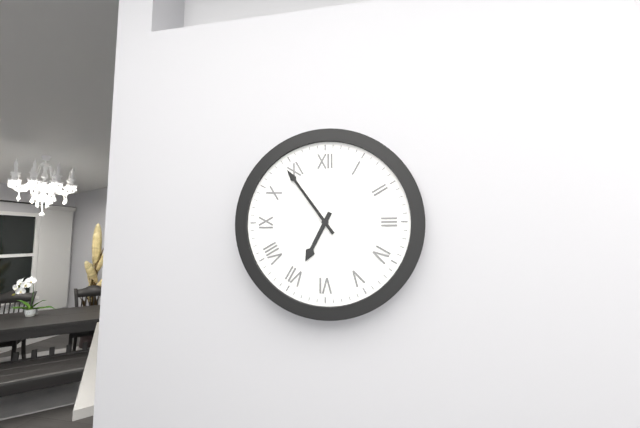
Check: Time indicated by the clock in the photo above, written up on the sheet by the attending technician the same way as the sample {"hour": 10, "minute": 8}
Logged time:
{"hour": 6, "minute": 54}
